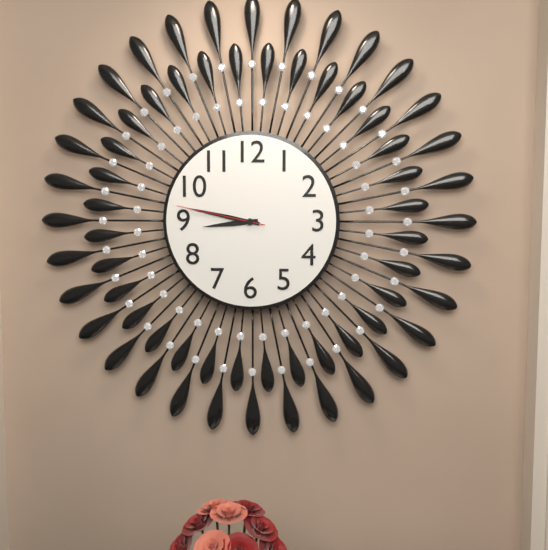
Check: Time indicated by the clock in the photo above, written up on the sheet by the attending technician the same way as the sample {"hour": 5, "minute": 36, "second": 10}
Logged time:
{"hour": 8, "minute": 47, "second": 47}
